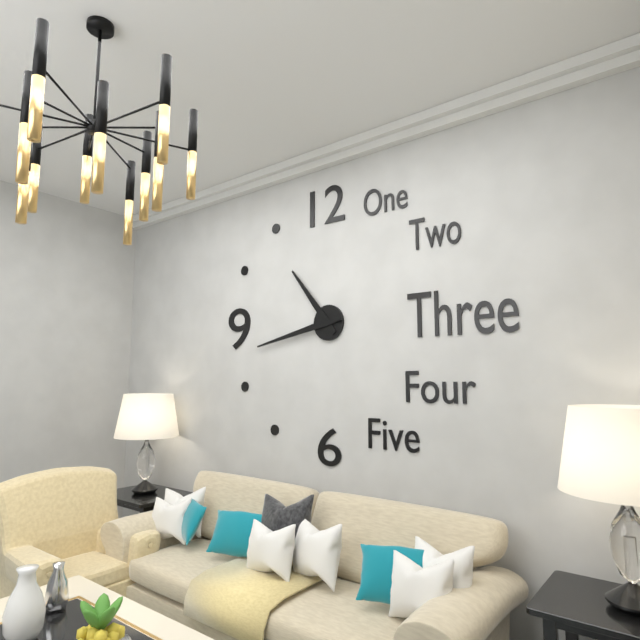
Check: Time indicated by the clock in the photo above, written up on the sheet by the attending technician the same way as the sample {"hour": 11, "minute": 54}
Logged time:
{"hour": 10, "minute": 43}
